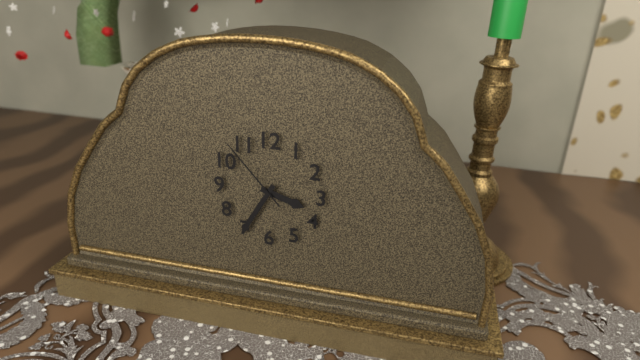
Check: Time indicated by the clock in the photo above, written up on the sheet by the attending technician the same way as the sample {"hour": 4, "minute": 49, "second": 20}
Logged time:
{"hour": 3, "minute": 35, "second": 53}
